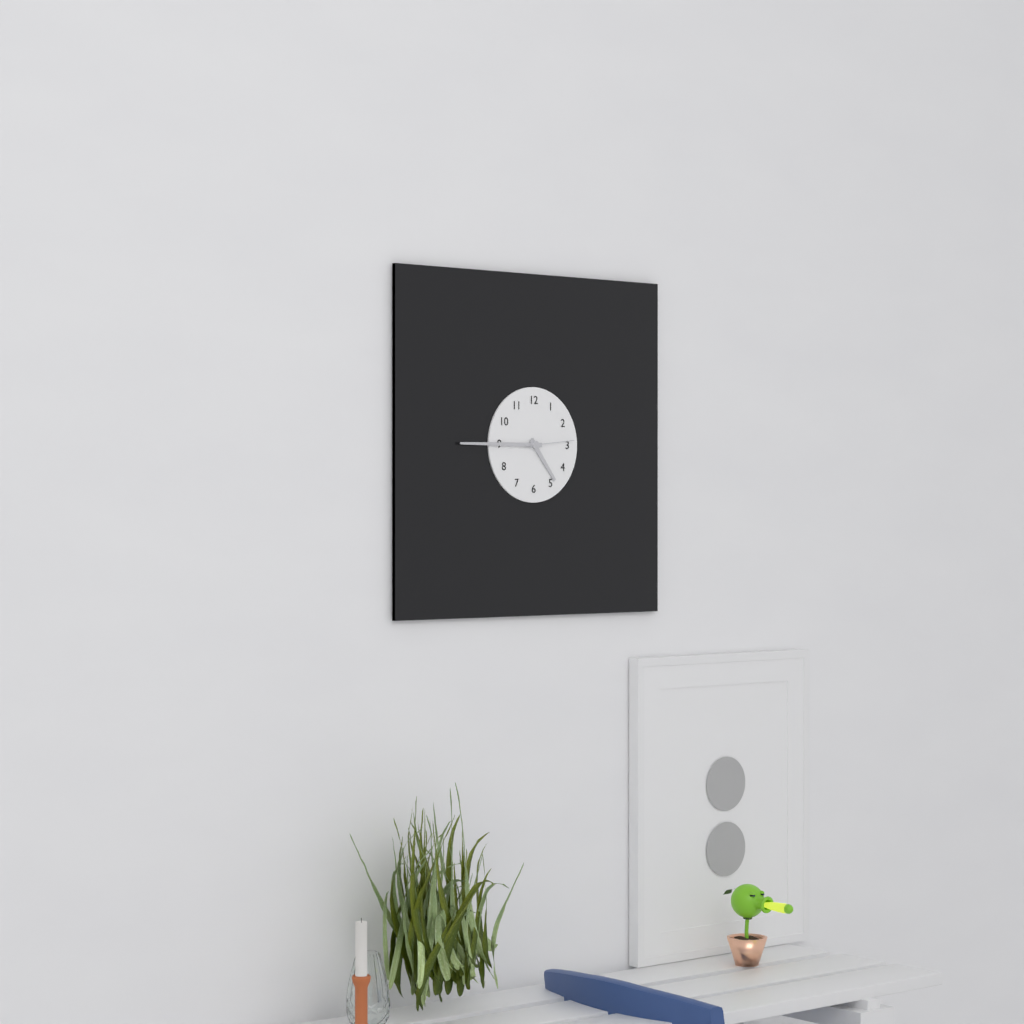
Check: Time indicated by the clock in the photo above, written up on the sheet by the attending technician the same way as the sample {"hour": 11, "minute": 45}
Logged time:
{"hour": 4, "minute": 45}
